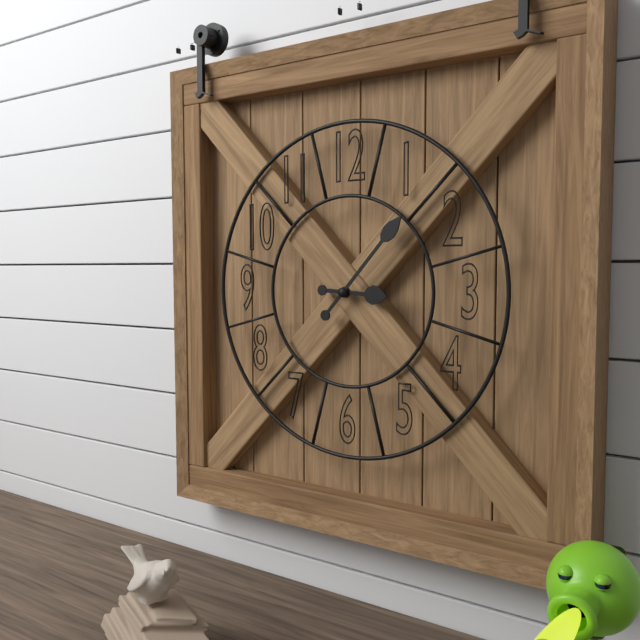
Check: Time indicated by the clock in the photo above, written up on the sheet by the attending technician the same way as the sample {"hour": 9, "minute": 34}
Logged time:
{"hour": 3, "minute": 7}
